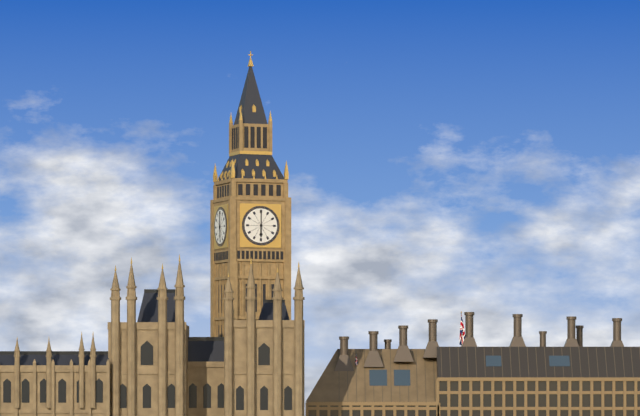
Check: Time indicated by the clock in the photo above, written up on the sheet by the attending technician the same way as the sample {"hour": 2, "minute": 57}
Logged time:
{"hour": 6, "minute": 0}
